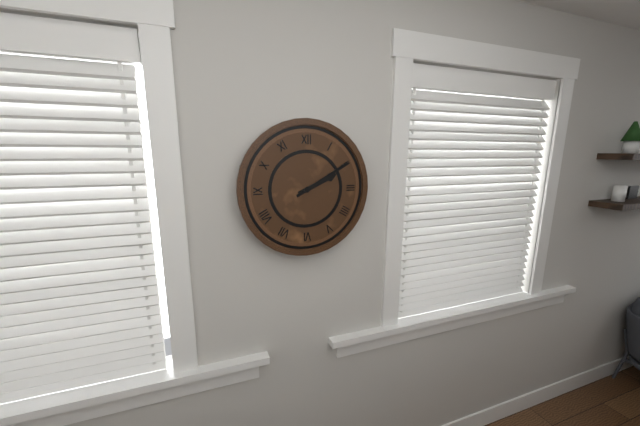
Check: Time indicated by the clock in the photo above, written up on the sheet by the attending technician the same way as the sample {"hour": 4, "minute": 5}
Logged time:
{"hour": 2, "minute": 10}
